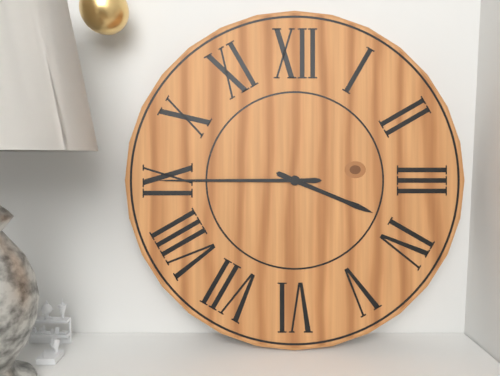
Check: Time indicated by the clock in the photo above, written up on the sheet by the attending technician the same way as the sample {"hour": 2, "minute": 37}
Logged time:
{"hour": 3, "minute": 45}
